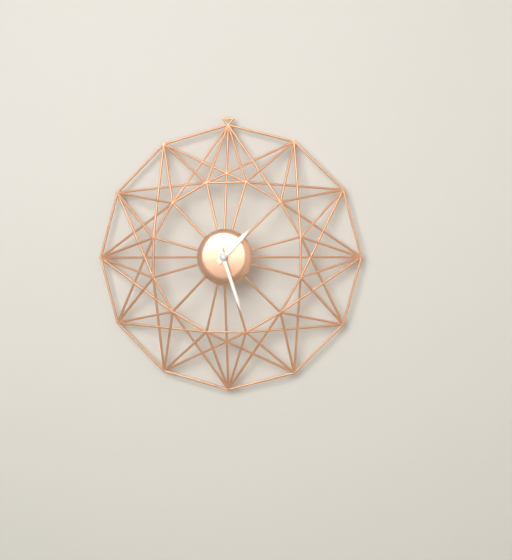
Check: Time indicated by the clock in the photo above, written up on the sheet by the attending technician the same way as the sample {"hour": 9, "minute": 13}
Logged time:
{"hour": 1, "minute": 27}
